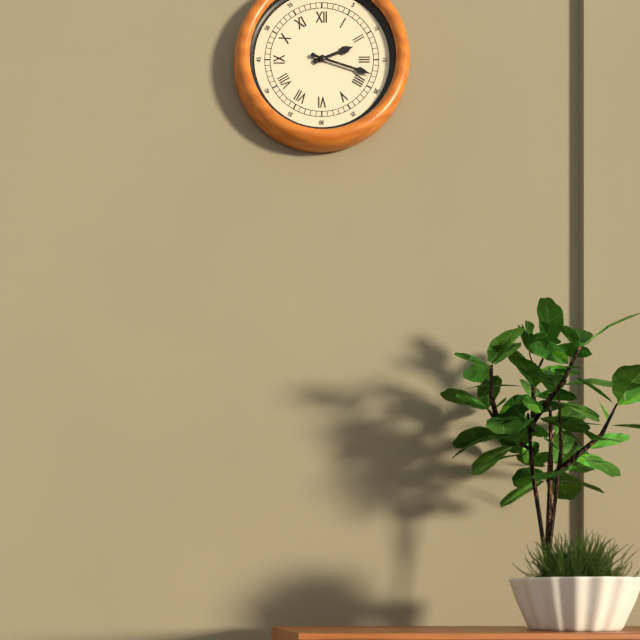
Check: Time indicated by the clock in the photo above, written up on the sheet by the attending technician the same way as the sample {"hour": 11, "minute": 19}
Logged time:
{"hour": 2, "minute": 18}
